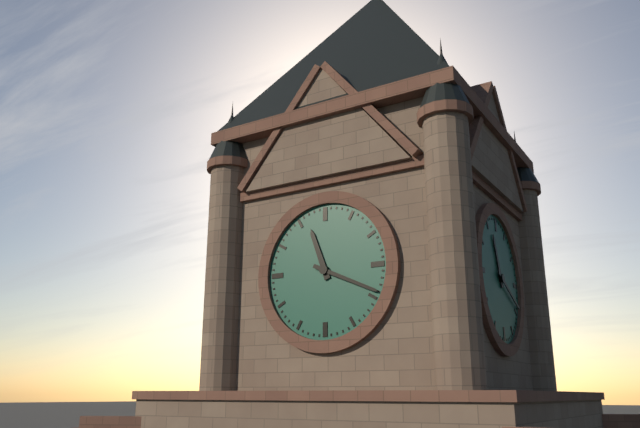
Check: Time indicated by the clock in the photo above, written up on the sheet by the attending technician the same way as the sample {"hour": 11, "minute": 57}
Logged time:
{"hour": 11, "minute": 19}
